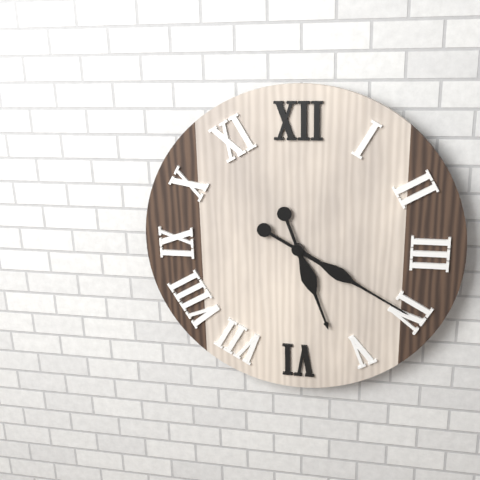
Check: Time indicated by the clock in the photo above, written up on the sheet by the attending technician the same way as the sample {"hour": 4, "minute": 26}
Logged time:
{"hour": 5, "minute": 20}
